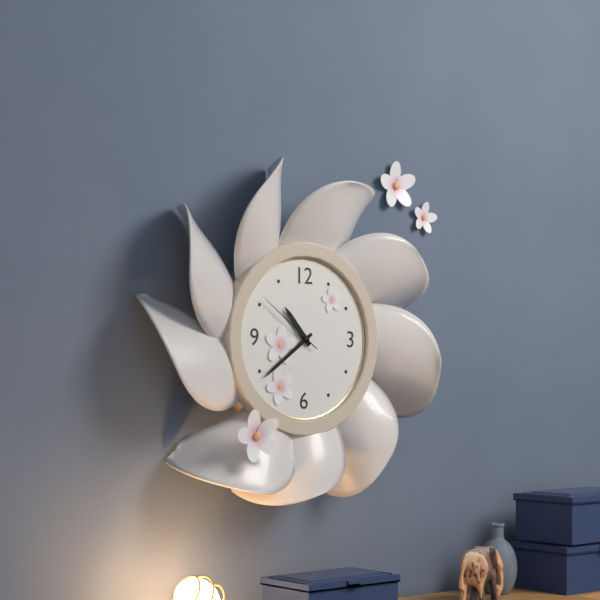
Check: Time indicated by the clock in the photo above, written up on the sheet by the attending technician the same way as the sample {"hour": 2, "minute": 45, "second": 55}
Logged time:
{"hour": 10, "minute": 39, "second": 51}
